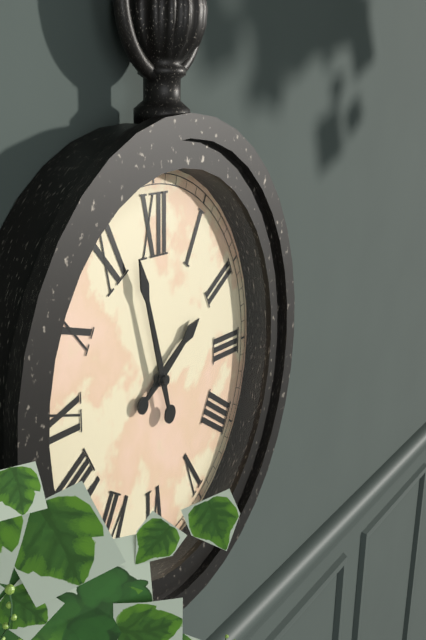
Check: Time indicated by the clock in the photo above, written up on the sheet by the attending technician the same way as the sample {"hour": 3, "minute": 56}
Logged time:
{"hour": 1, "minute": 57}
